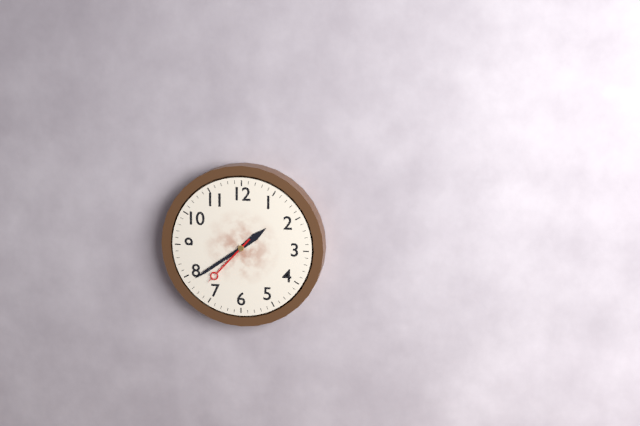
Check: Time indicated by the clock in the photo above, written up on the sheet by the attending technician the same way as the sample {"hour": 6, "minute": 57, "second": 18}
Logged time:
{"hour": 1, "minute": 39, "second": 37}
